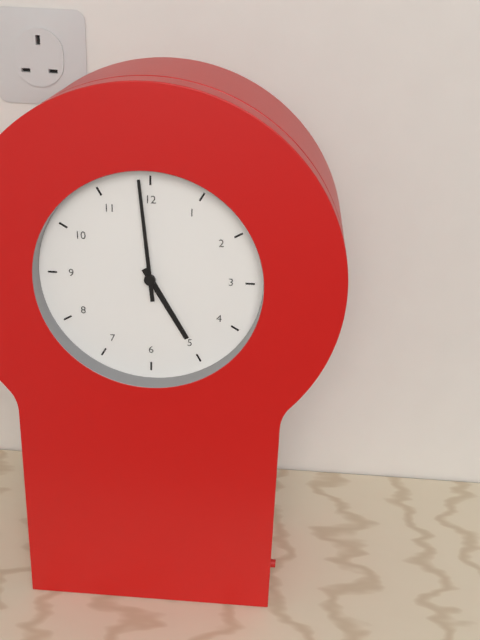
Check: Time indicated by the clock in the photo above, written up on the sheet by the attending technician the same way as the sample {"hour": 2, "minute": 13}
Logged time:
{"hour": 4, "minute": 59}
